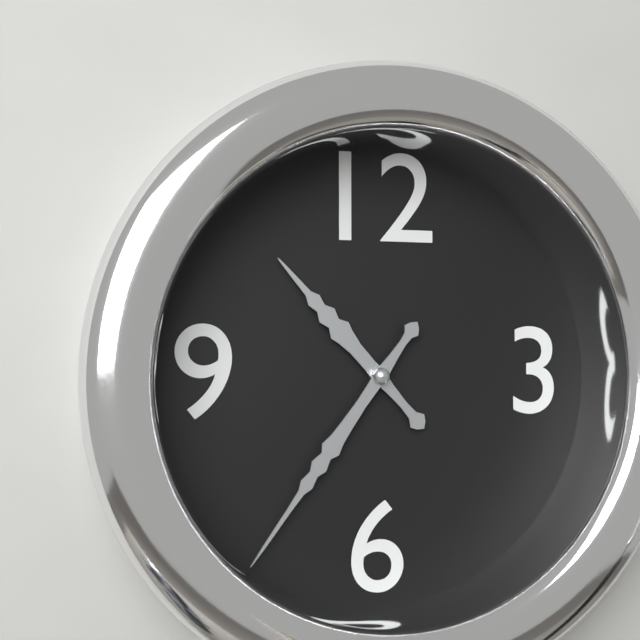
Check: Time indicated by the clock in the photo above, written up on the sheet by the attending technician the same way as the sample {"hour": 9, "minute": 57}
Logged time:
{"hour": 10, "minute": 36}
